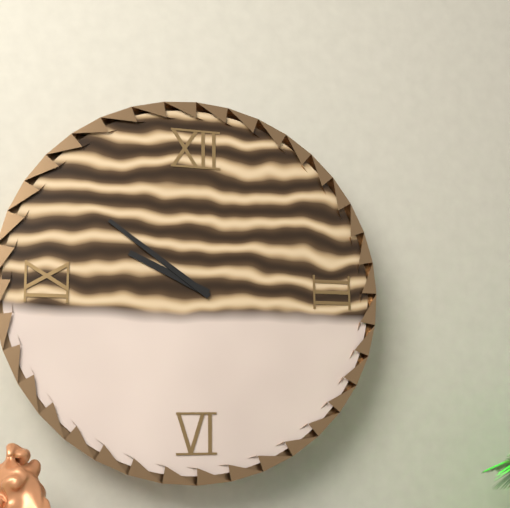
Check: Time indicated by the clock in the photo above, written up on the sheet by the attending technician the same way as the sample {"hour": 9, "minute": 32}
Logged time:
{"hour": 9, "minute": 51}
